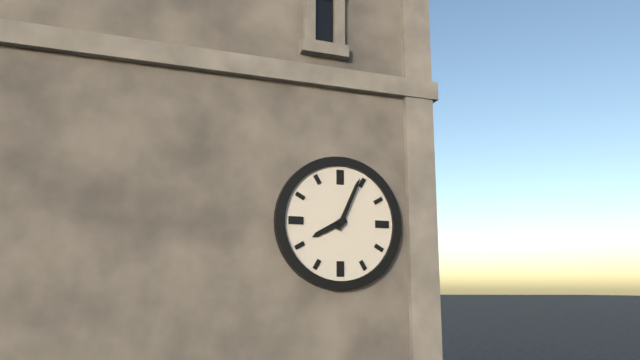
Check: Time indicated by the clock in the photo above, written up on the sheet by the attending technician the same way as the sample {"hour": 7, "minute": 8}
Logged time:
{"hour": 8, "minute": 4}
